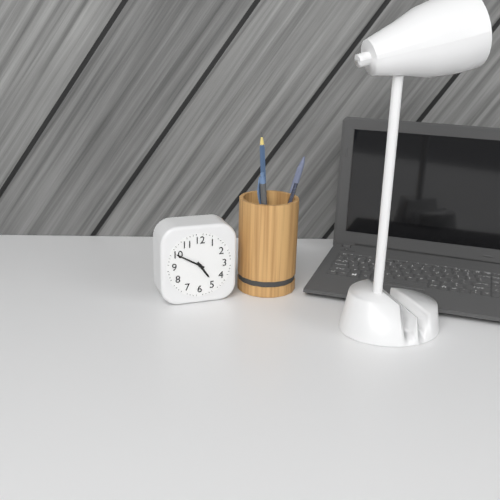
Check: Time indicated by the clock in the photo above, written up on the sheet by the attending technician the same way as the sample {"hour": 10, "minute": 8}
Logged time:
{"hour": 4, "minute": 50}
